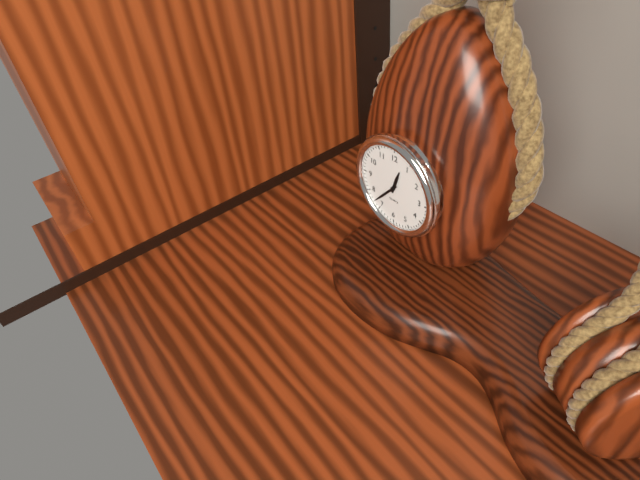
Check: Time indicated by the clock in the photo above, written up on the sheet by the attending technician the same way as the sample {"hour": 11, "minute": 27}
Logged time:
{"hour": 12, "minute": 37}
